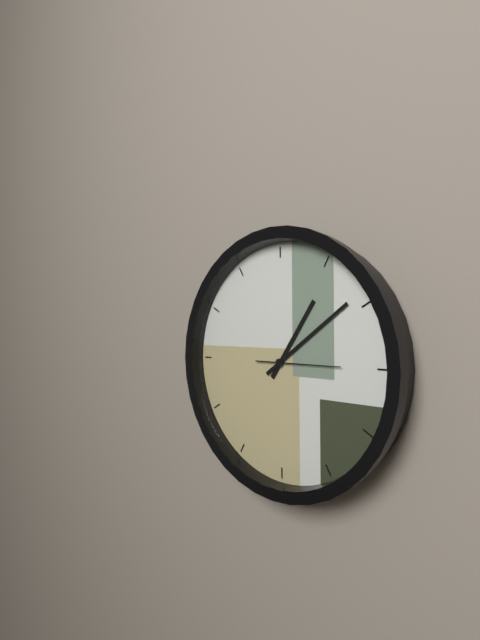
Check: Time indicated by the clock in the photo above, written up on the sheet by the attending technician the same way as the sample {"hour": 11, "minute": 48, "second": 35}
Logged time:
{"hour": 1, "minute": 9, "second": 15}
